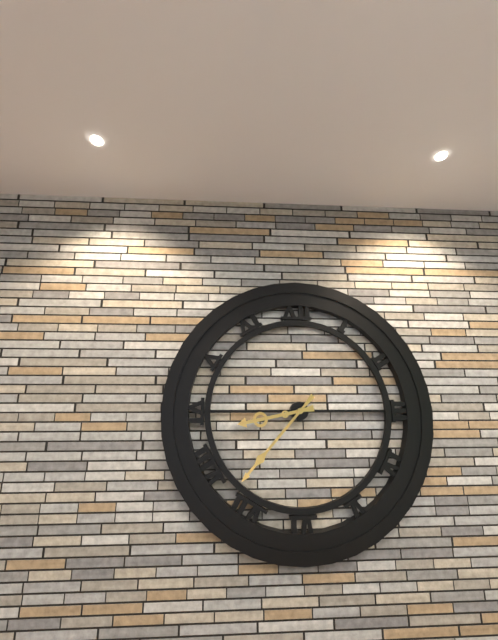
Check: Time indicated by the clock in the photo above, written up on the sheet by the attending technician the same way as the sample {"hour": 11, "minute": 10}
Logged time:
{"hour": 8, "minute": 37}
